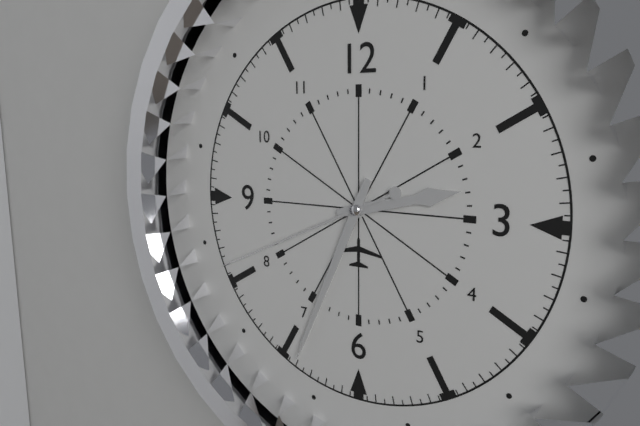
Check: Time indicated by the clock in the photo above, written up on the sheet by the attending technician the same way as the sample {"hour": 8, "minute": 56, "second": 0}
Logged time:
{"hour": 2, "minute": 34, "second": 41}
